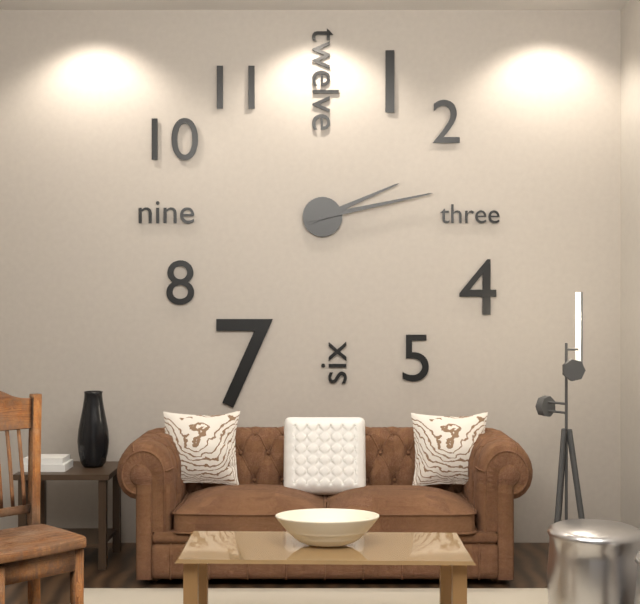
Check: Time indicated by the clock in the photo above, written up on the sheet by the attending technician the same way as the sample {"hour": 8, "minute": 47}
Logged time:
{"hour": 2, "minute": 13}
